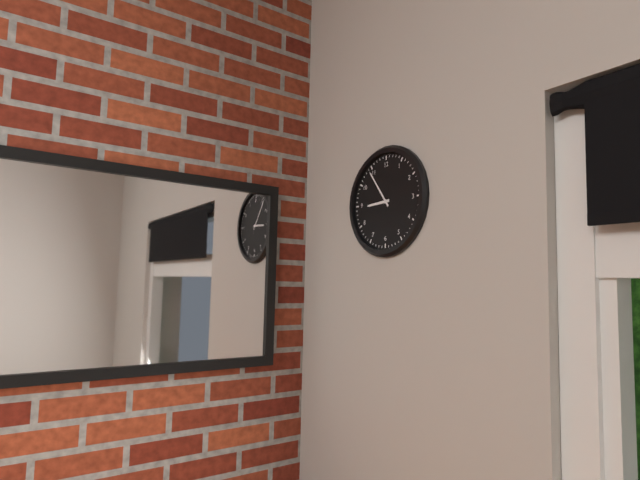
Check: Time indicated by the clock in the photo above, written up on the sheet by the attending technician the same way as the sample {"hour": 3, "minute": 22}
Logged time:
{"hour": 8, "minute": 54}
